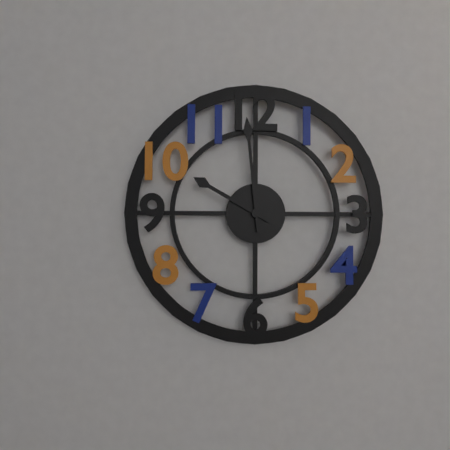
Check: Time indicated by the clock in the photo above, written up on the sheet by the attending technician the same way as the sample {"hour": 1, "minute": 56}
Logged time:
{"hour": 9, "minute": 59}
